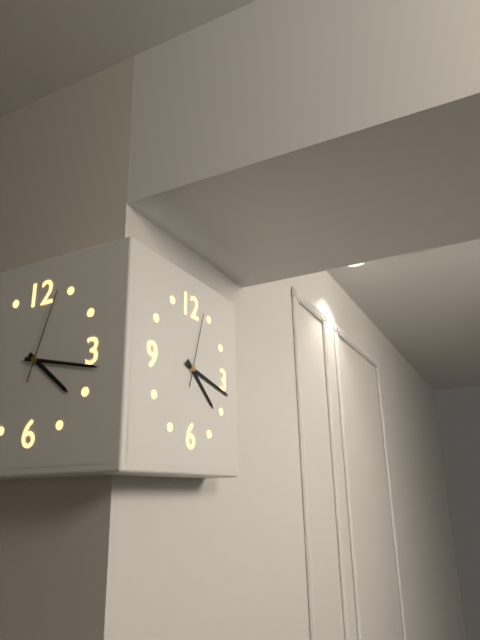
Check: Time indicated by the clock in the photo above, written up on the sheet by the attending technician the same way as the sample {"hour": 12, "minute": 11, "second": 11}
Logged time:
{"hour": 4, "minute": 17, "second": 3}
